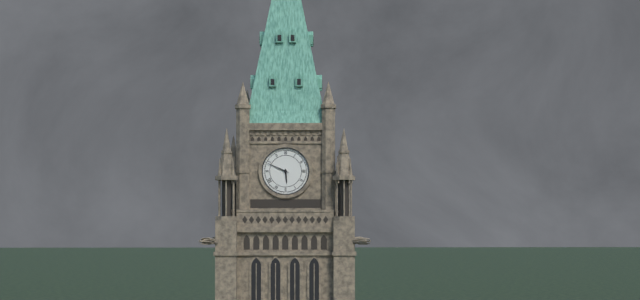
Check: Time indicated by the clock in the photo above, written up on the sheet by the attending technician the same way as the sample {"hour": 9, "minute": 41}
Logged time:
{"hour": 5, "minute": 49}
